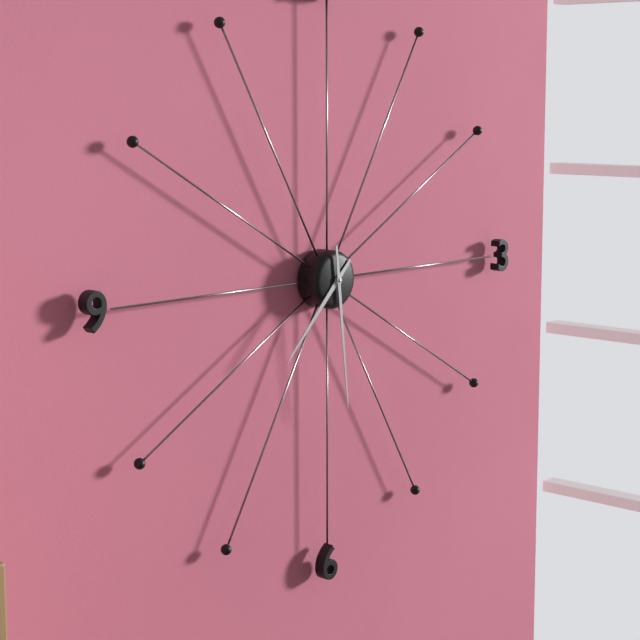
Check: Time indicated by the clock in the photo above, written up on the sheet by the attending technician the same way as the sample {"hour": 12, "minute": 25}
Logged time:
{"hour": 7, "minute": 29}
